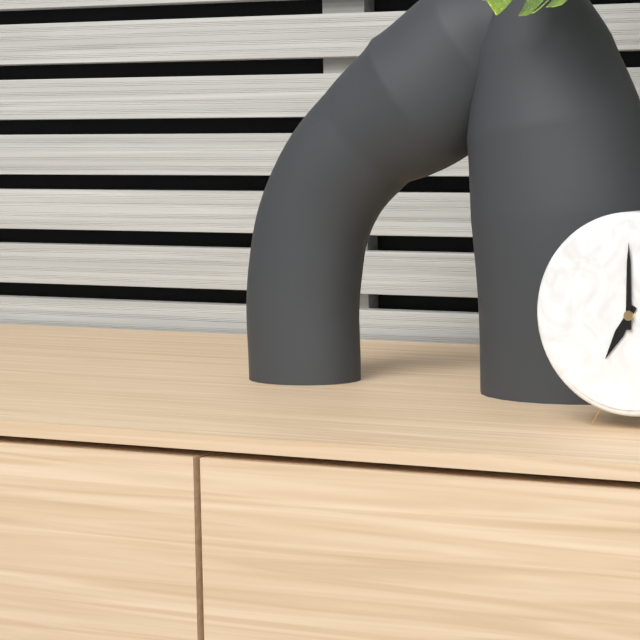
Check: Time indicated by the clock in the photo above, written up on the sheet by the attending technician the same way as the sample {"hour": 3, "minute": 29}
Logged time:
{"hour": 7, "minute": 0}
